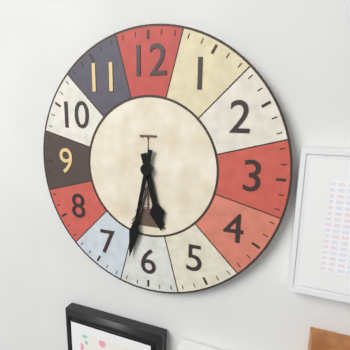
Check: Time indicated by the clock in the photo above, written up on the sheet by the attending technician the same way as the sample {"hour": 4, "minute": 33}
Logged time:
{"hour": 5, "minute": 32}
